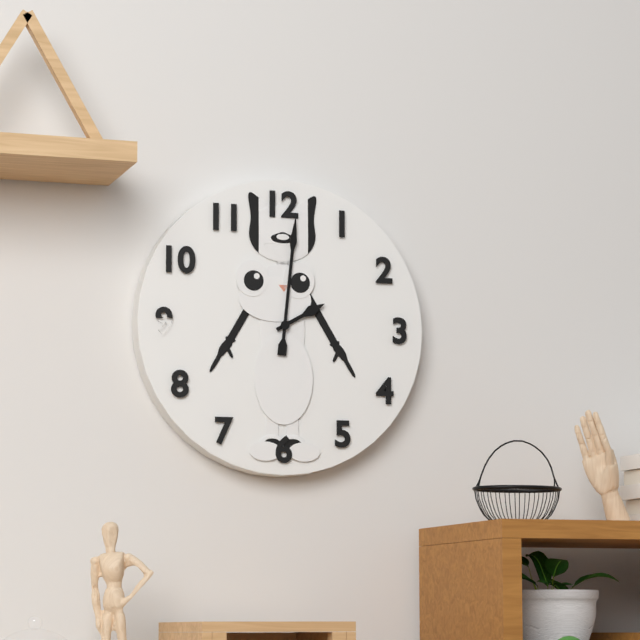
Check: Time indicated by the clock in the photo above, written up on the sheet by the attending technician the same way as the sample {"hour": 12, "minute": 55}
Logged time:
{"hour": 2, "minute": 1}
